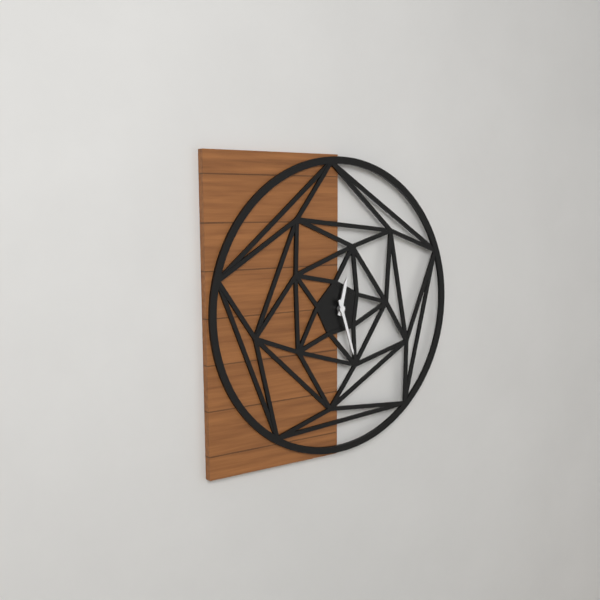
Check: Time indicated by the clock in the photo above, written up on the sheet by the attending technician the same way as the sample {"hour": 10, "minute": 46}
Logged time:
{"hour": 12, "minute": 27}
